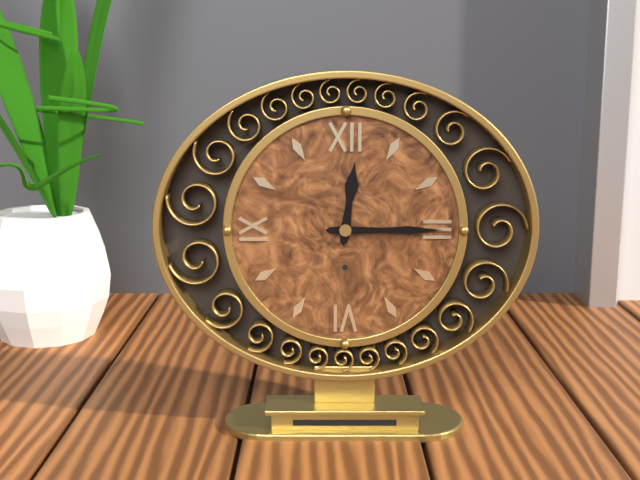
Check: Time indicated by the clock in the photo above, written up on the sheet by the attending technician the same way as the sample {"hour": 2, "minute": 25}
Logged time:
{"hour": 12, "minute": 15}
